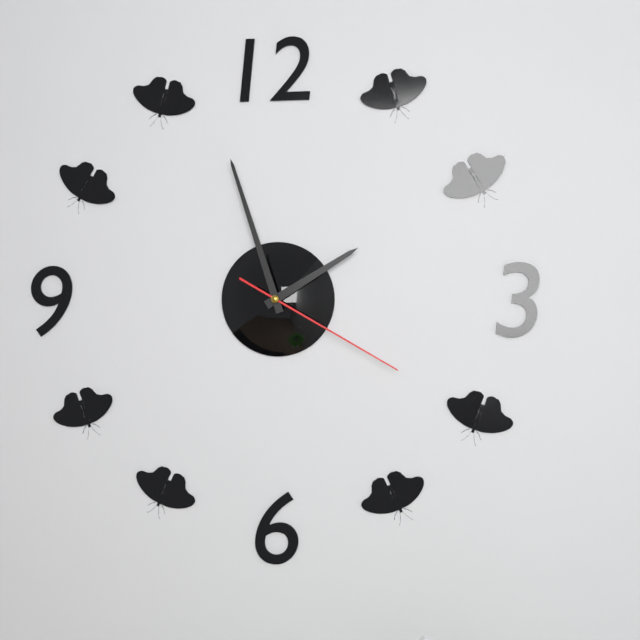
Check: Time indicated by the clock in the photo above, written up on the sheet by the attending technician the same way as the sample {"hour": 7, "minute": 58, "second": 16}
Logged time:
{"hour": 1, "minute": 57, "second": 20}
